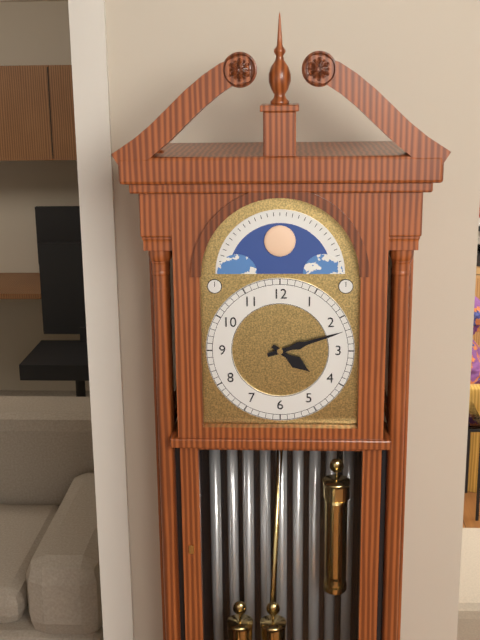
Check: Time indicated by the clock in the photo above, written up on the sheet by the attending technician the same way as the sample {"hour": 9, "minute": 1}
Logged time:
{"hour": 4, "minute": 12}
